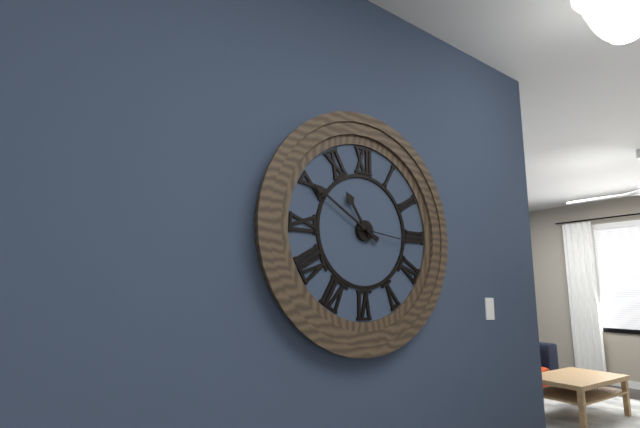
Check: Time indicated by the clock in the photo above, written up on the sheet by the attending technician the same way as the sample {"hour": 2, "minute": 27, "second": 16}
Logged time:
{"hour": 10, "minute": 50, "second": 16}
